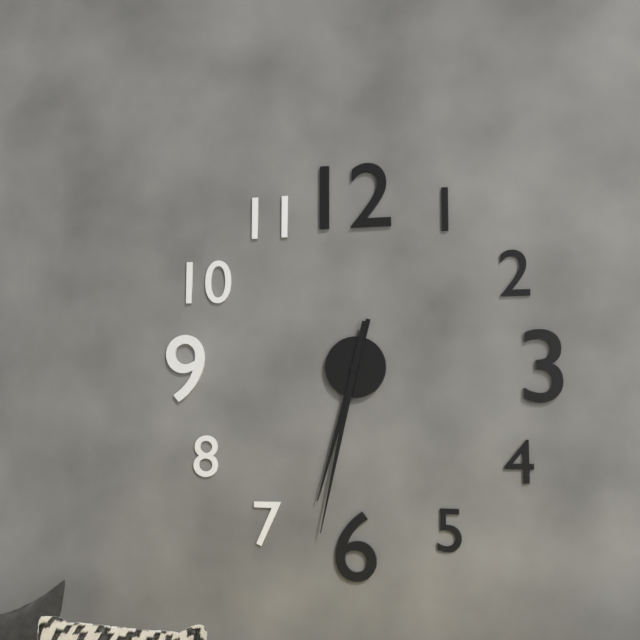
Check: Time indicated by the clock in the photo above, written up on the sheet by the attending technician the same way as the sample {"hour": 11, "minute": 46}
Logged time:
{"hour": 6, "minute": 32}
